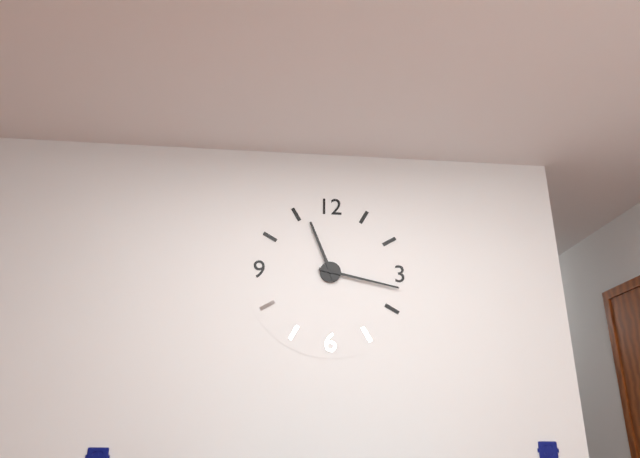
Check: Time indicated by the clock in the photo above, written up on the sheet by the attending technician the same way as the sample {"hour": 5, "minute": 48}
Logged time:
{"hour": 11, "minute": 17}
